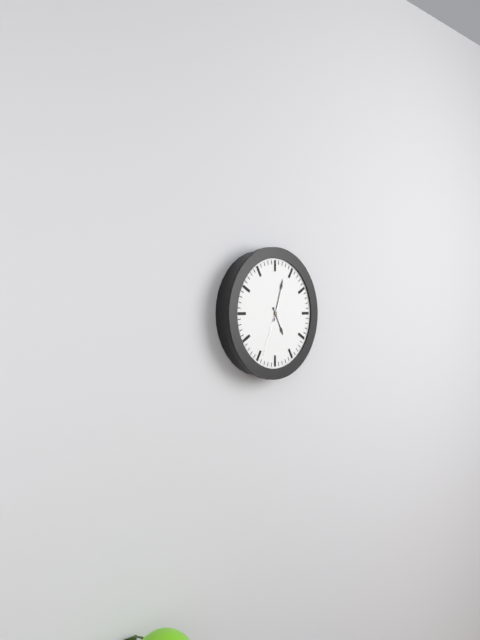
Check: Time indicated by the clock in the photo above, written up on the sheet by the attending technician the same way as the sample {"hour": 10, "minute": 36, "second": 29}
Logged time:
{"hour": 5, "minute": 3, "second": 34}
